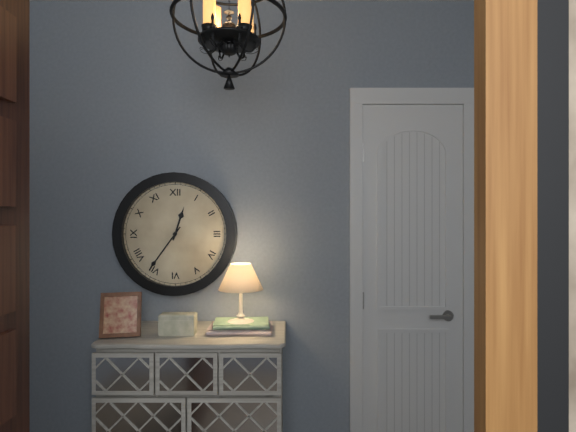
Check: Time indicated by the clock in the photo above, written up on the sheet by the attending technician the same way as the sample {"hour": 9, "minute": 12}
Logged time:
{"hour": 12, "minute": 36}
